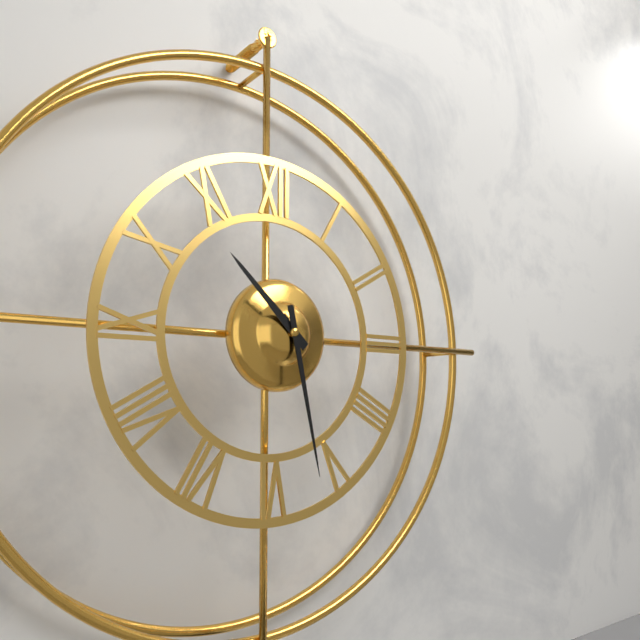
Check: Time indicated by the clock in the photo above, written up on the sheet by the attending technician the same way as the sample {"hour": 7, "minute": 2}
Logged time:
{"hour": 10, "minute": 28}
